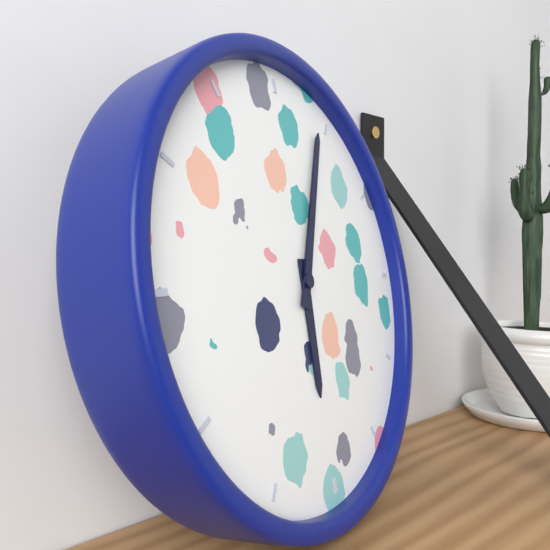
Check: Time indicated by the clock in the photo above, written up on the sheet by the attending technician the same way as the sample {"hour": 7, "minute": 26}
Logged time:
{"hour": 6, "minute": 4}
